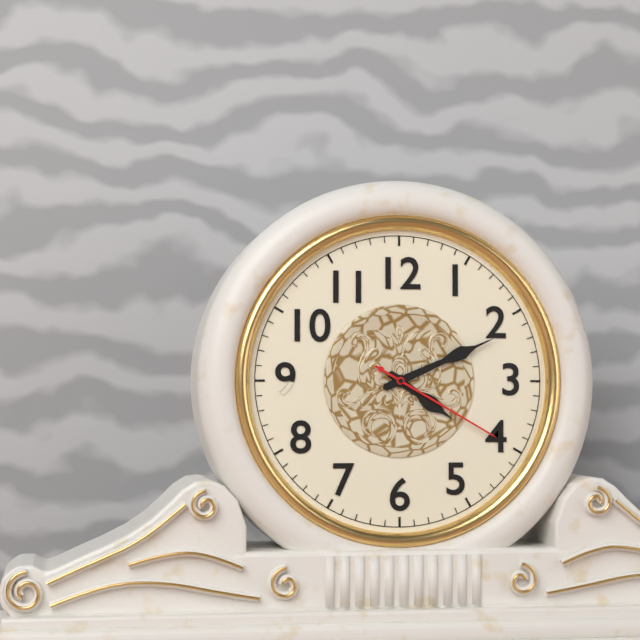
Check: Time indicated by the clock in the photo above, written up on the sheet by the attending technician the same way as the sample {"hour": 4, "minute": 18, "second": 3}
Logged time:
{"hour": 4, "minute": 11, "second": 20}
